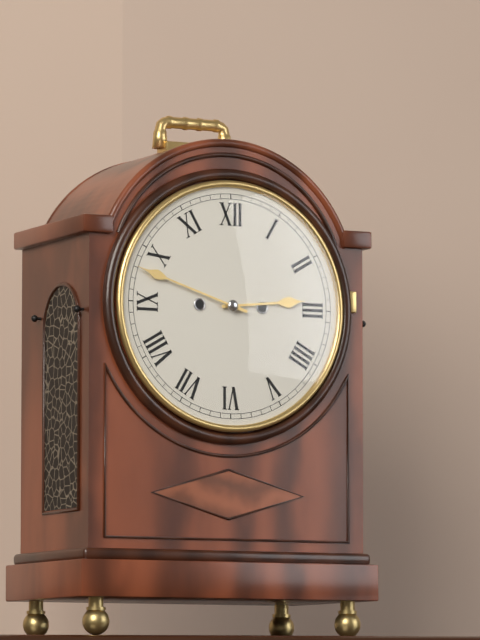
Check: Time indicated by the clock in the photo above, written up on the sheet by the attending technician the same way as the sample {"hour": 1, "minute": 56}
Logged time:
{"hour": 2, "minute": 48}
